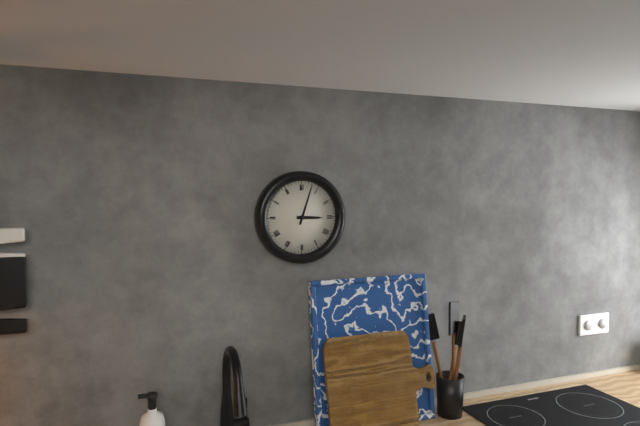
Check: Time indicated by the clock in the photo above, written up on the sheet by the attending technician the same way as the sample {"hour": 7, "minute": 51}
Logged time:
{"hour": 3, "minute": 3}
